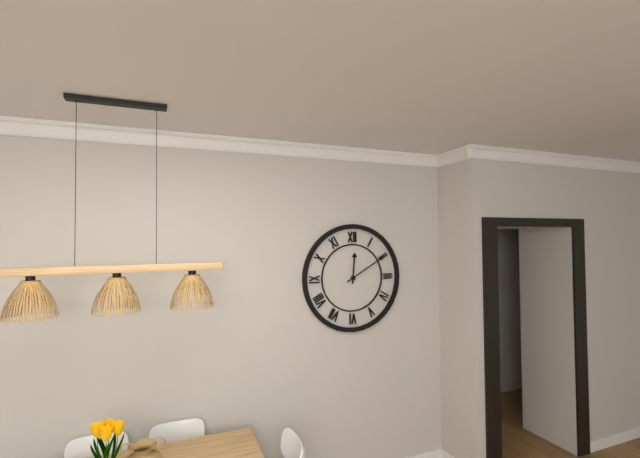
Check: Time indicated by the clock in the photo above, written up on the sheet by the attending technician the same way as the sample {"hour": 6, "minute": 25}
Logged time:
{"hour": 12, "minute": 10}
